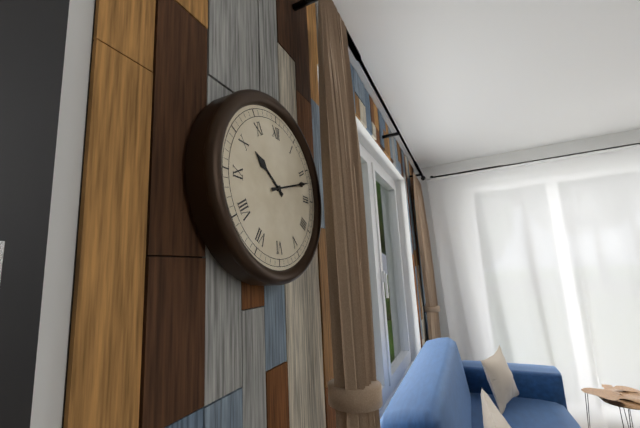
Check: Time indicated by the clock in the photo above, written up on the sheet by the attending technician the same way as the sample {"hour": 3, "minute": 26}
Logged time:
{"hour": 10, "minute": 12}
